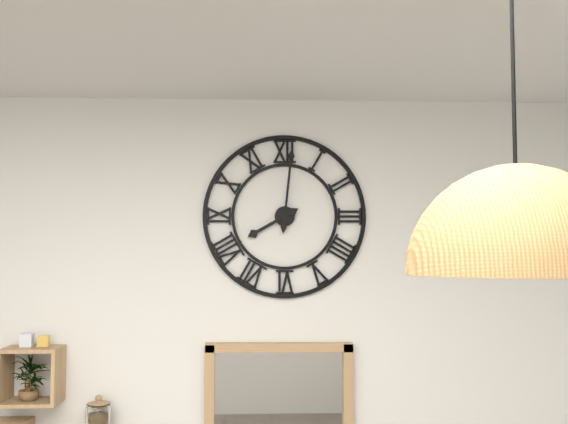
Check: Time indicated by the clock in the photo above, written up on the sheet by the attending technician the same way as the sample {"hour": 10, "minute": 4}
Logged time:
{"hour": 8, "minute": 1}
